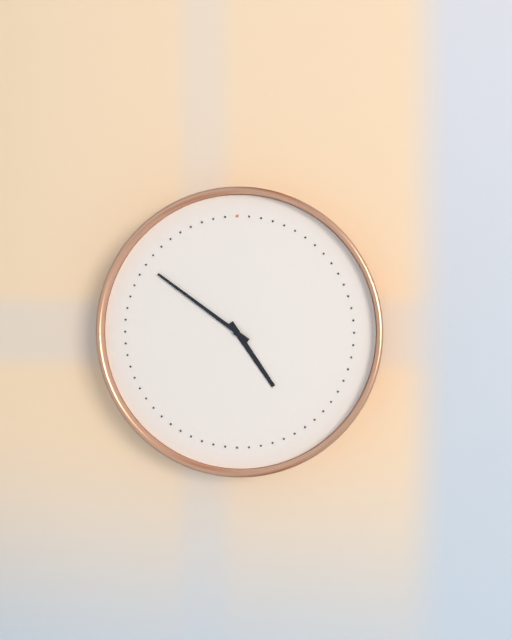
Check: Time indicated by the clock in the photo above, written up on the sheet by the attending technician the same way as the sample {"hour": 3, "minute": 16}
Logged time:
{"hour": 4, "minute": 51}
